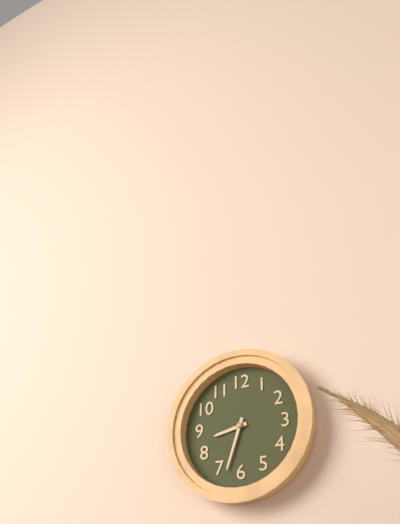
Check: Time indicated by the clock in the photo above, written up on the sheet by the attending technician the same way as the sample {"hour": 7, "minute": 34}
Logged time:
{"hour": 8, "minute": 33}
